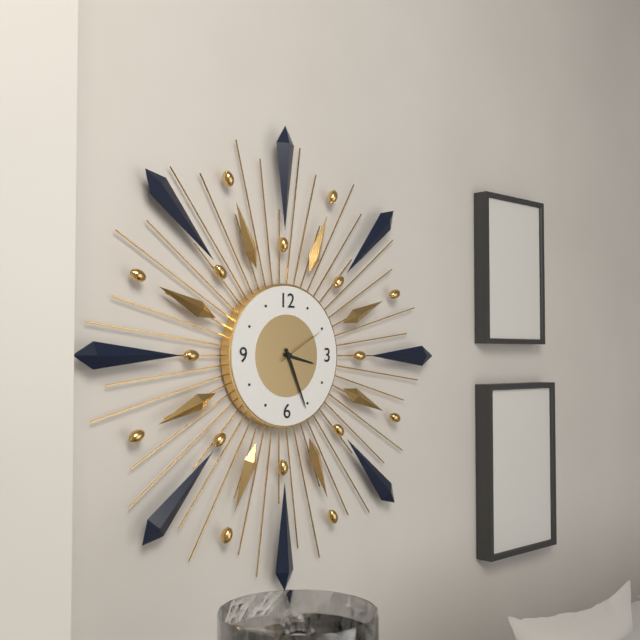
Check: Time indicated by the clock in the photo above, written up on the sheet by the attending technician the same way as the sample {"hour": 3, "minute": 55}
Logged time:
{"hour": 3, "minute": 26}
